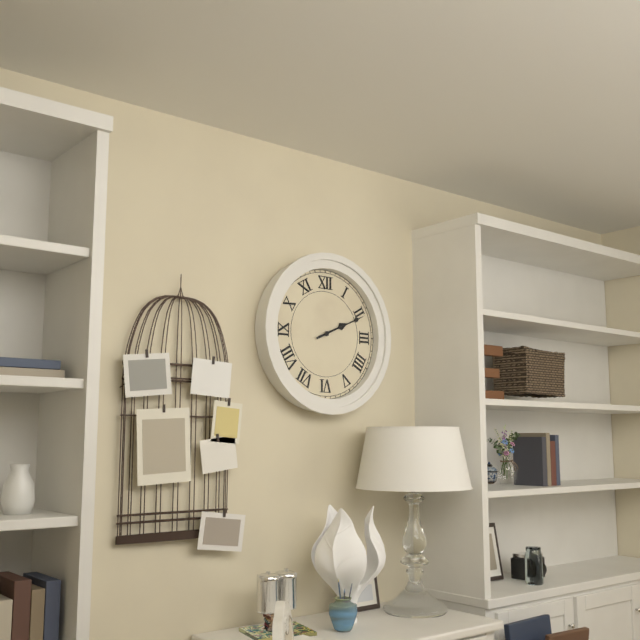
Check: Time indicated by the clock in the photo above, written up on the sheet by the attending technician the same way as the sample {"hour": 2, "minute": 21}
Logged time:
{"hour": 2, "minute": 11}
